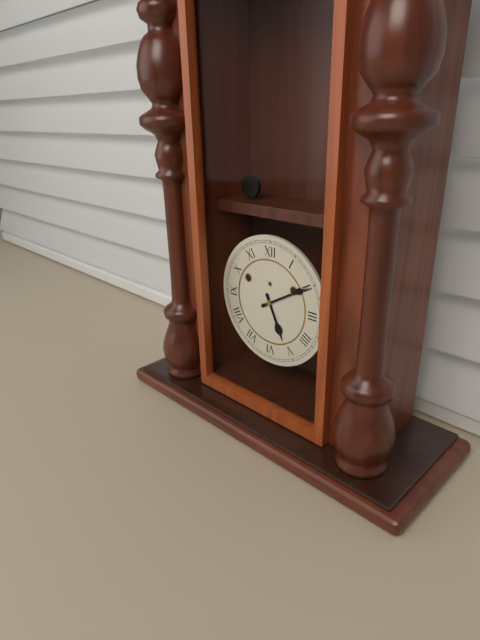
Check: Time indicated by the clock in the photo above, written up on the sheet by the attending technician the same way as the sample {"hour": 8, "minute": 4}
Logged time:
{"hour": 5, "minute": 10}
